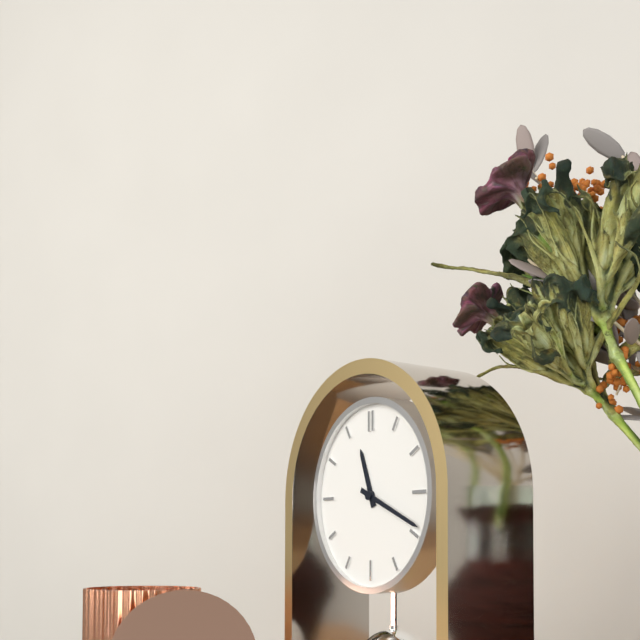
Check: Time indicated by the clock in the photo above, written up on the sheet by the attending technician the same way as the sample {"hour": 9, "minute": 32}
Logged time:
{"hour": 11, "minute": 19}
